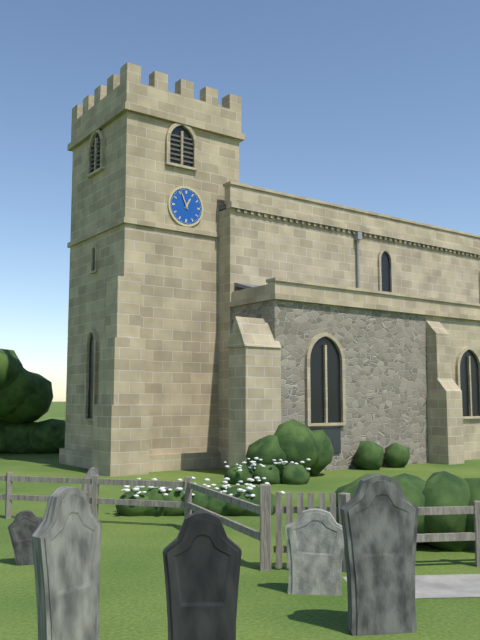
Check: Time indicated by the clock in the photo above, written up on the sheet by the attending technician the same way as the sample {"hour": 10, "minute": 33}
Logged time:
{"hour": 12, "minute": 56}
